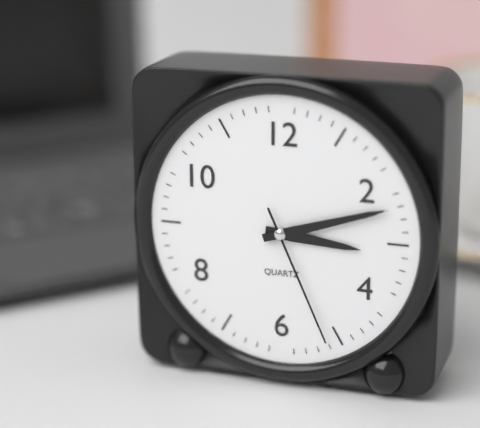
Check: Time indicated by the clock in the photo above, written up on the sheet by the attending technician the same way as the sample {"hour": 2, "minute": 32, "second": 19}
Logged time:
{"hour": 3, "minute": 12, "second": 26}
